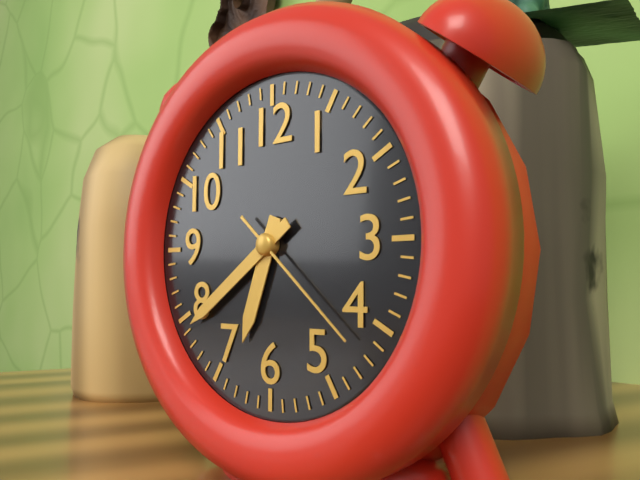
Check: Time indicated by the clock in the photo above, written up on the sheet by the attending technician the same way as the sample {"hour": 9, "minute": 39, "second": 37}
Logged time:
{"hour": 6, "minute": 39, "second": 22}
